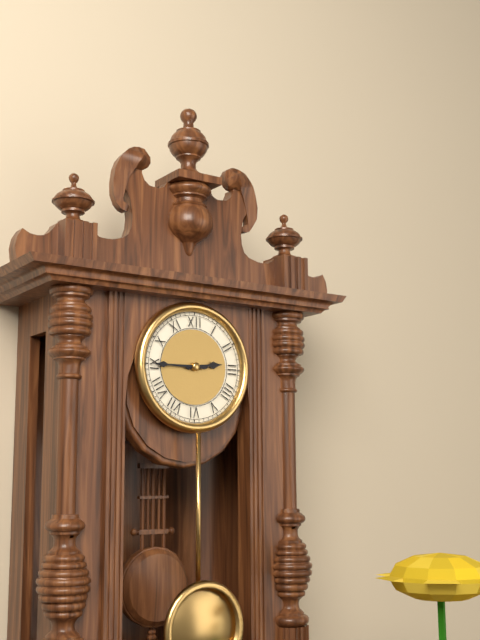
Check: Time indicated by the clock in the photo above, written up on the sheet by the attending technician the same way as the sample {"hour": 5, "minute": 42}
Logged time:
{"hour": 2, "minute": 45}
